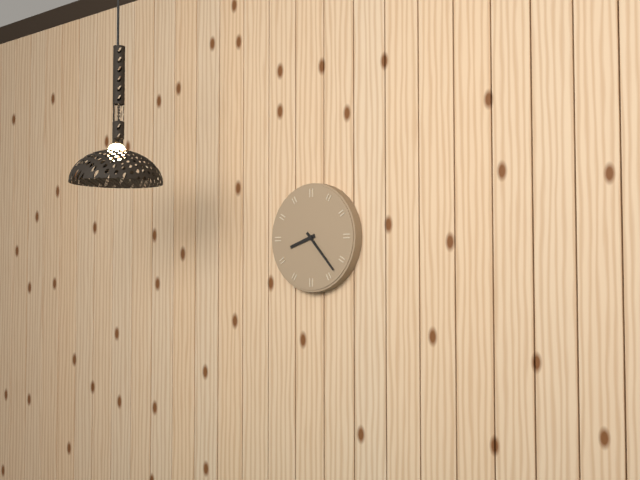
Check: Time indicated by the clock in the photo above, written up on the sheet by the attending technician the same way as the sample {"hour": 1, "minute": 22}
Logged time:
{"hour": 8, "minute": 23}
